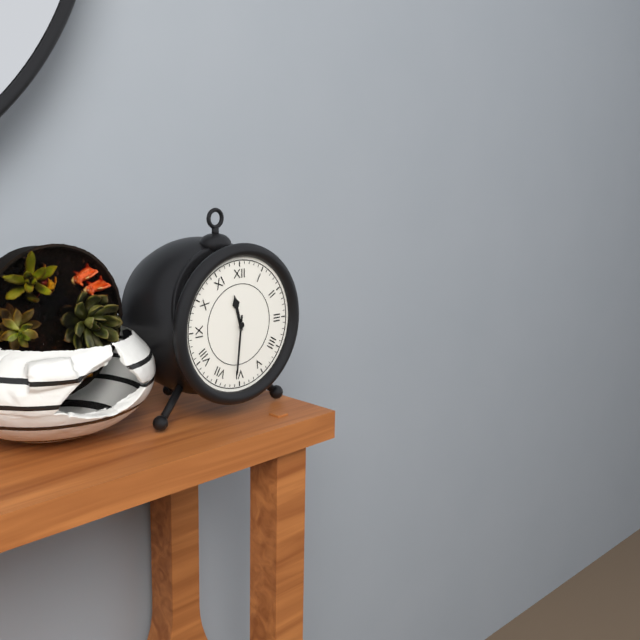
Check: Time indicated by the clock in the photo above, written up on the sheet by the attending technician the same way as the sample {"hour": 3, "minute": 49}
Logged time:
{"hour": 11, "minute": 31}
